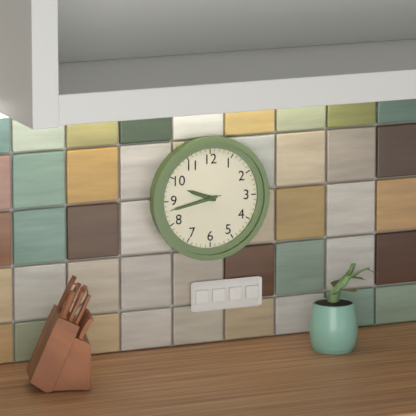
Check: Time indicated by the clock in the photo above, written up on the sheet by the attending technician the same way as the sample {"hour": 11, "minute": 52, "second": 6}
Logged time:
{"hour": 9, "minute": 43, "second": 43}
